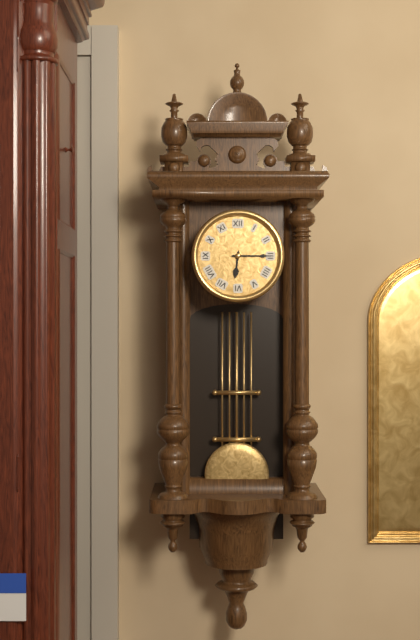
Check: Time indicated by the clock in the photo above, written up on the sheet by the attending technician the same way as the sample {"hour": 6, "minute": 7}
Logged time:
{"hour": 6, "minute": 15}
